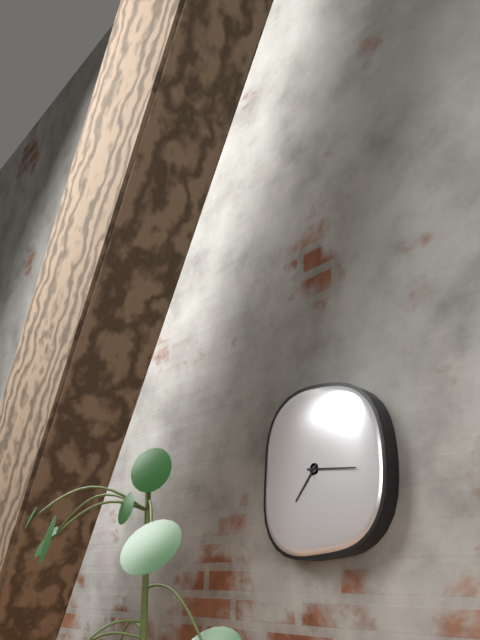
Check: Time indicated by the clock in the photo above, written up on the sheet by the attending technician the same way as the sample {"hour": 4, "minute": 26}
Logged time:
{"hour": 7, "minute": 16}
